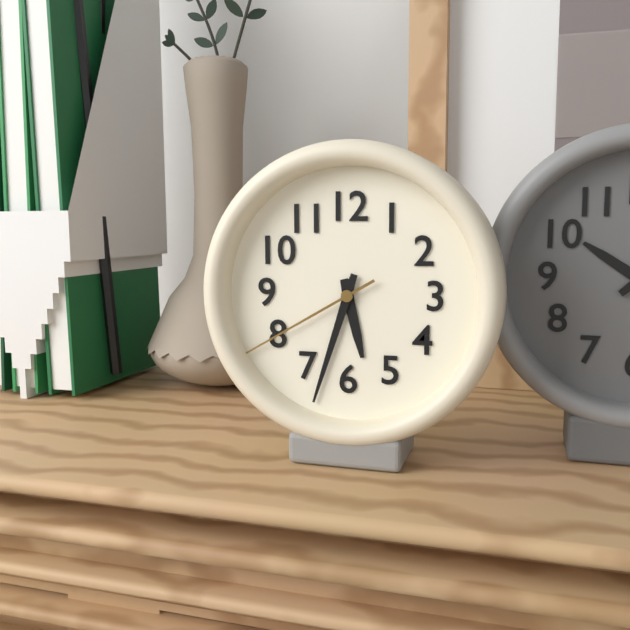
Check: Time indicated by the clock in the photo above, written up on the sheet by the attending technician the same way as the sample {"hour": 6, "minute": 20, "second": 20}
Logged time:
{"hour": 5, "minute": 33, "second": 40}
